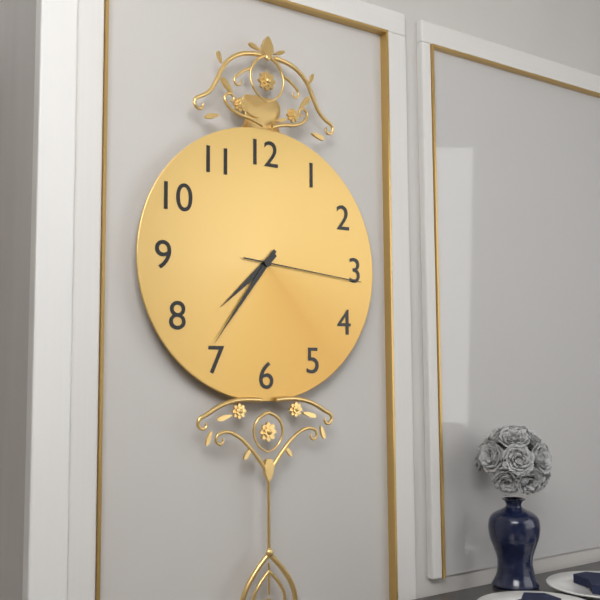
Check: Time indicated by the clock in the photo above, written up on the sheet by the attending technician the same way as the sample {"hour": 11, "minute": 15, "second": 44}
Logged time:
{"hour": 7, "minute": 36, "second": 16}
